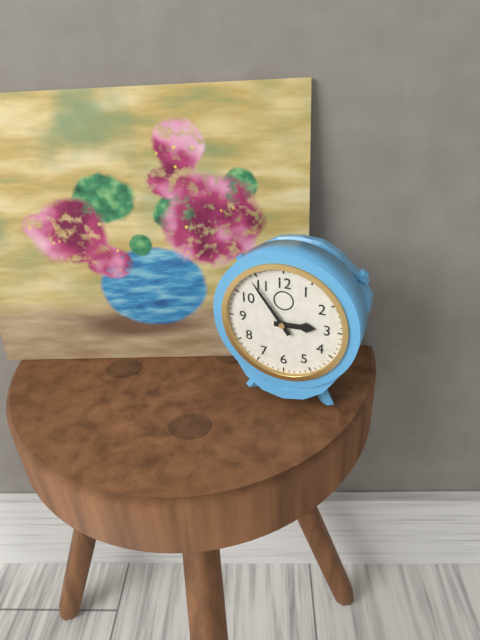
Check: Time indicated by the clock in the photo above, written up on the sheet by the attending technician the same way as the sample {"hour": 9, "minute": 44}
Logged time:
{"hour": 2, "minute": 54}
